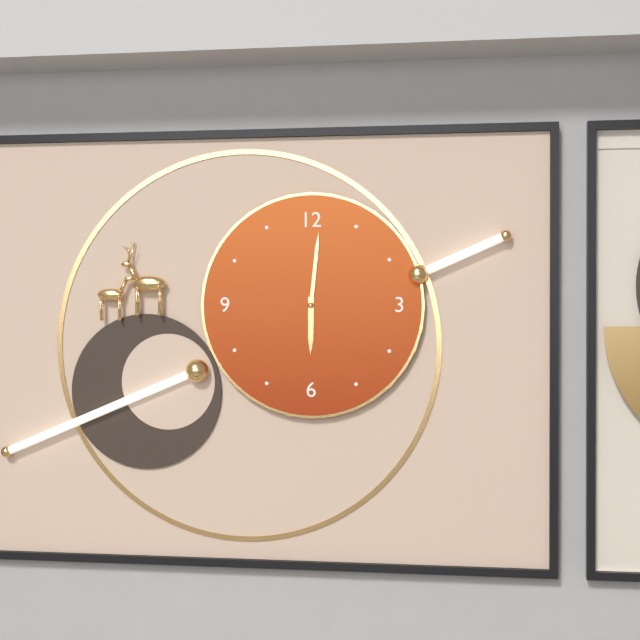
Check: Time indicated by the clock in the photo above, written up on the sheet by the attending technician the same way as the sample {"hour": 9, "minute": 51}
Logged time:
{"hour": 6, "minute": 1}
